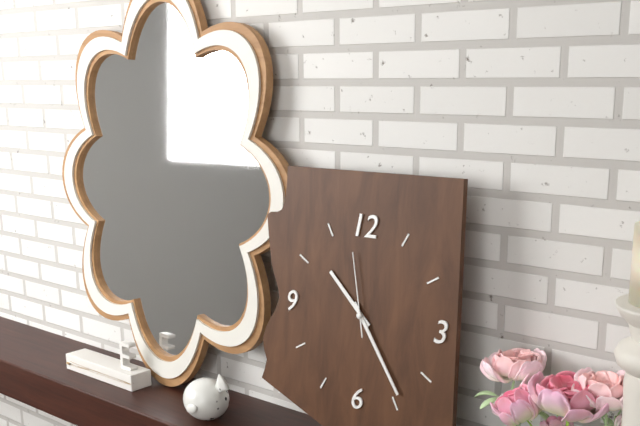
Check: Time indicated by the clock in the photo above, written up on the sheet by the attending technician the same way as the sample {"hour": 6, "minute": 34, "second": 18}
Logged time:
{"hour": 10, "minute": 24, "second": 58}
